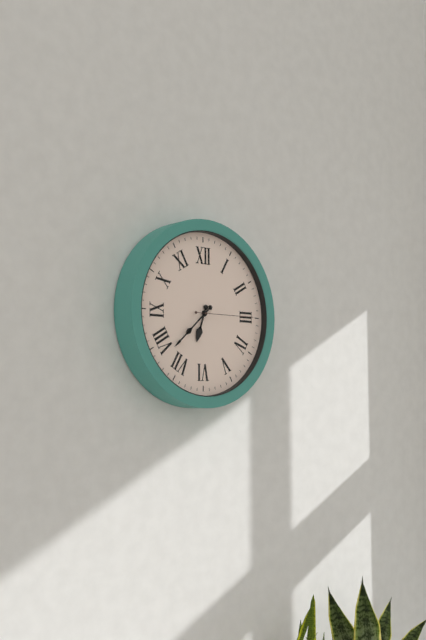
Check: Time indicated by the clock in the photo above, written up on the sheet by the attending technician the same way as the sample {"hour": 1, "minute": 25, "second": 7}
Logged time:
{"hour": 6, "minute": 38, "second": 15}
